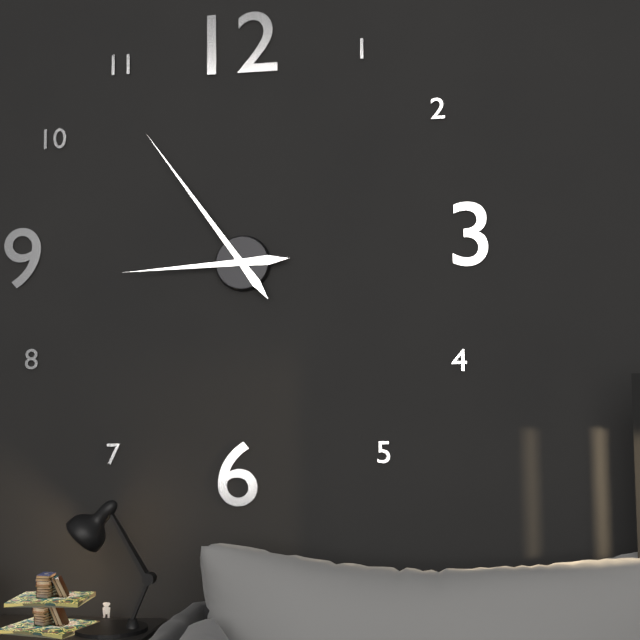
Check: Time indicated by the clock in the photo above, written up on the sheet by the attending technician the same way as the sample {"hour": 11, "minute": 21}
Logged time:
{"hour": 8, "minute": 54}
